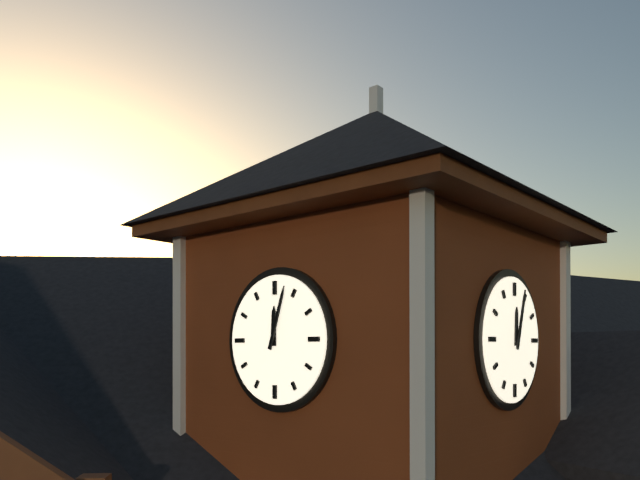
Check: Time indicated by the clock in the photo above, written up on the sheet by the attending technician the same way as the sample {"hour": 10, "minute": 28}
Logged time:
{"hour": 12, "minute": 3}
